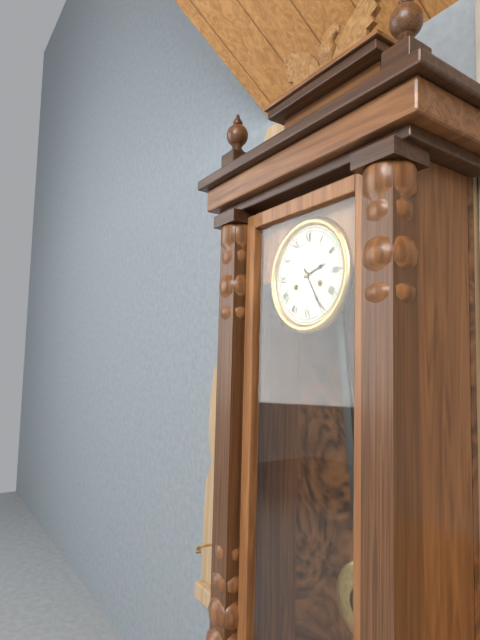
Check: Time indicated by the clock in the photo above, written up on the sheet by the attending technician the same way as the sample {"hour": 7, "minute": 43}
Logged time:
{"hour": 2, "minute": 25}
